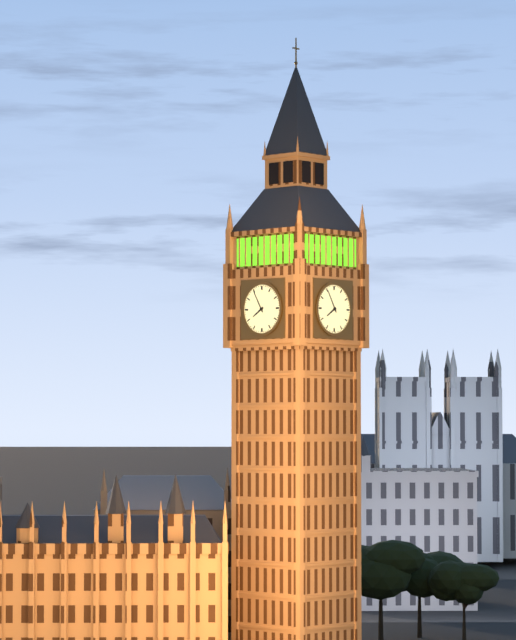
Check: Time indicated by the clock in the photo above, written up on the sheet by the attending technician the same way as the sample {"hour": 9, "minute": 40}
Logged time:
{"hour": 7, "minute": 55}
